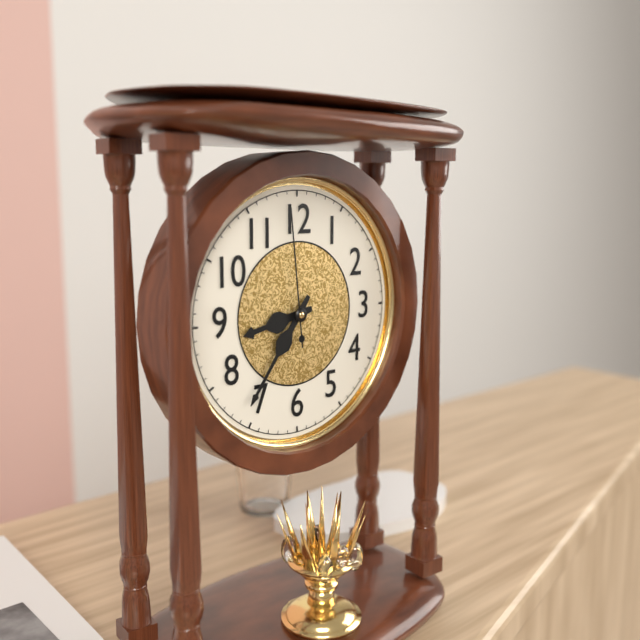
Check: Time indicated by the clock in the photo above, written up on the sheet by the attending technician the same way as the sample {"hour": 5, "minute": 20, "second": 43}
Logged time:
{"hour": 8, "minute": 36, "second": 59}
